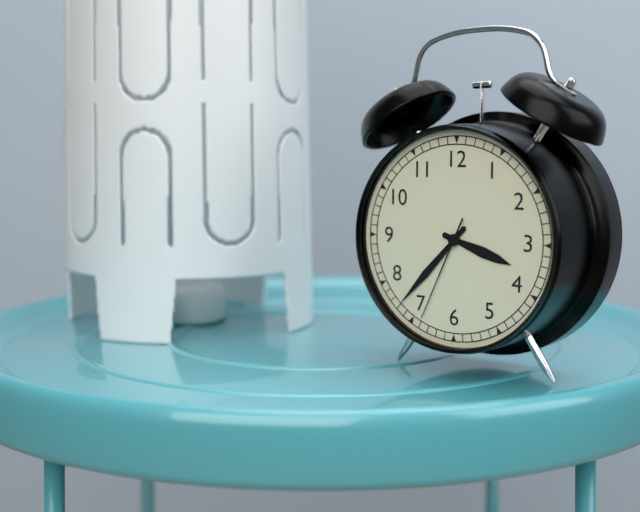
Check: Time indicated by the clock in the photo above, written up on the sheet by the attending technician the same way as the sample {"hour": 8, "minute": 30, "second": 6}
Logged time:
{"hour": 3, "minute": 37, "second": 34}
